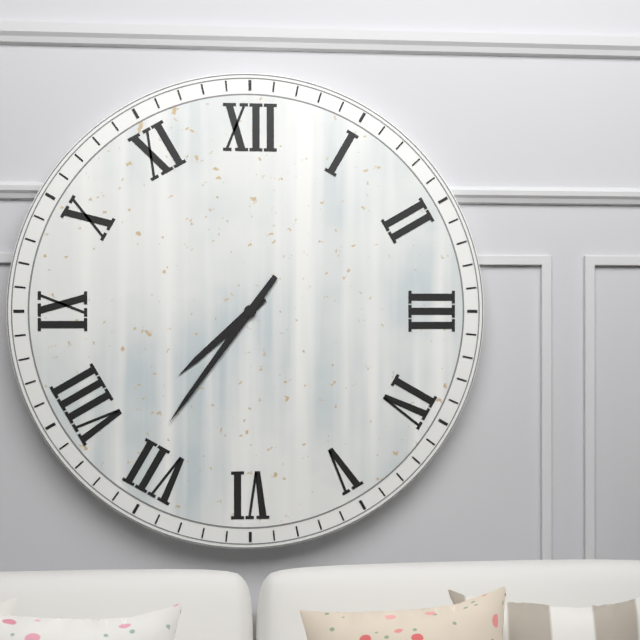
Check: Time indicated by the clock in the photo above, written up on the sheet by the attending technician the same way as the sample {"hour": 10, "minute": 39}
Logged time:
{"hour": 7, "minute": 36}
